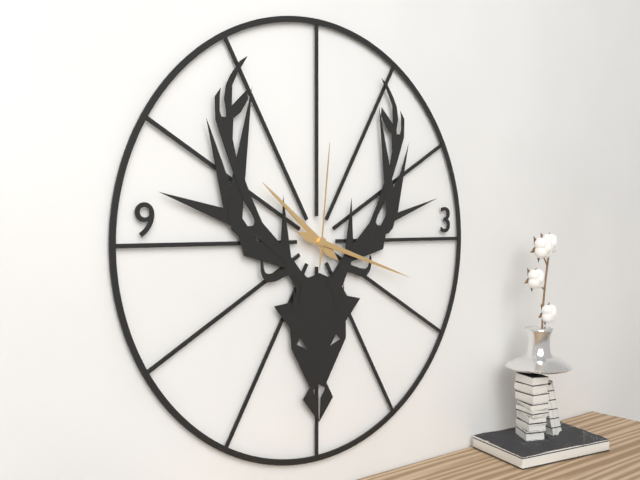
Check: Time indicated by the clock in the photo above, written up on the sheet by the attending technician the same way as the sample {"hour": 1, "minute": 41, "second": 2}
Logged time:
{"hour": 10, "minute": 18, "second": 1}
